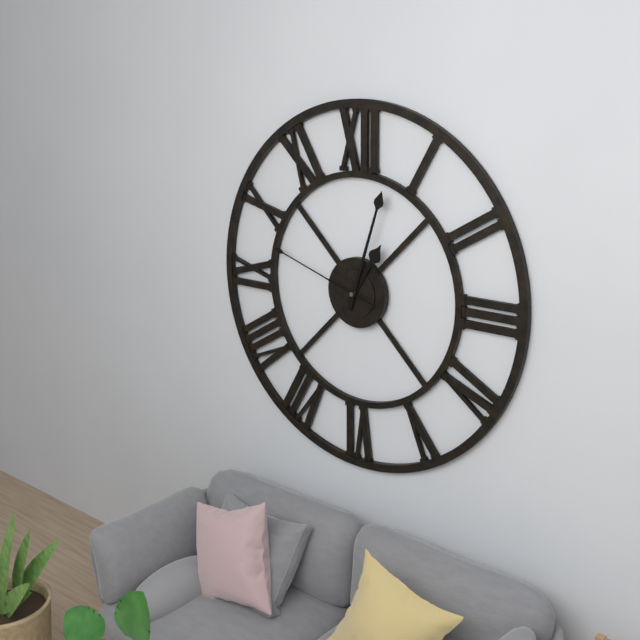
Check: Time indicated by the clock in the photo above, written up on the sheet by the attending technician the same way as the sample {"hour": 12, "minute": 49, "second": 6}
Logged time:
{"hour": 1, "minute": 3, "second": 48}
